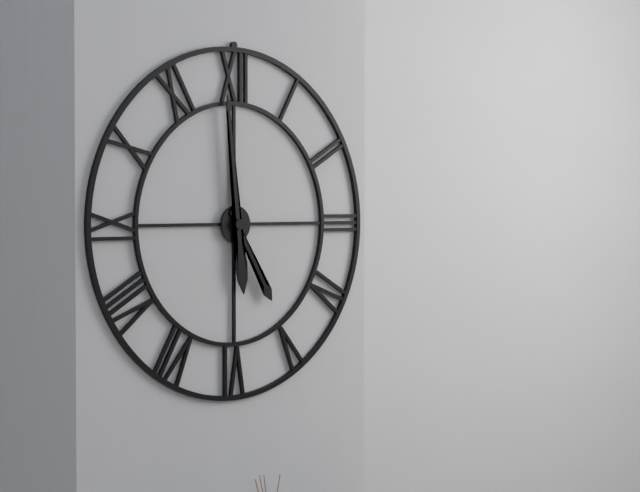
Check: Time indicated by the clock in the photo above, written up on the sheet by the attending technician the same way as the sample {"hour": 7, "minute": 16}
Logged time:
{"hour": 4, "minute": 59}
